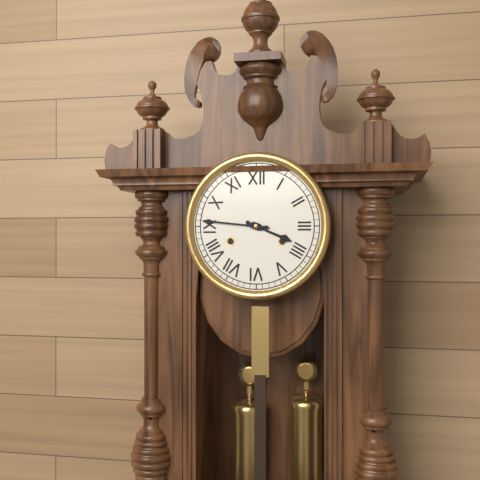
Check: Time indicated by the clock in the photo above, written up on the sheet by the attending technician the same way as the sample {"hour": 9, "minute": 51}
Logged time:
{"hour": 3, "minute": 46}
